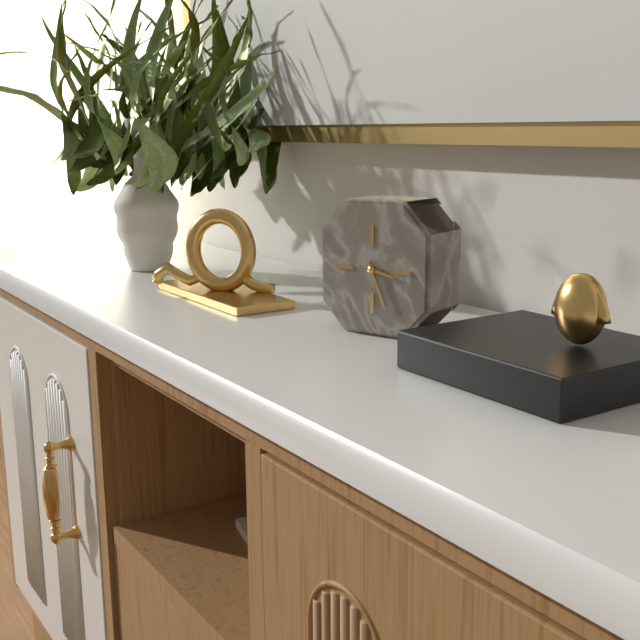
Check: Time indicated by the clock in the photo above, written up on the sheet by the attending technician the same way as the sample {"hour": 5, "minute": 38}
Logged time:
{"hour": 3, "minute": 26}
